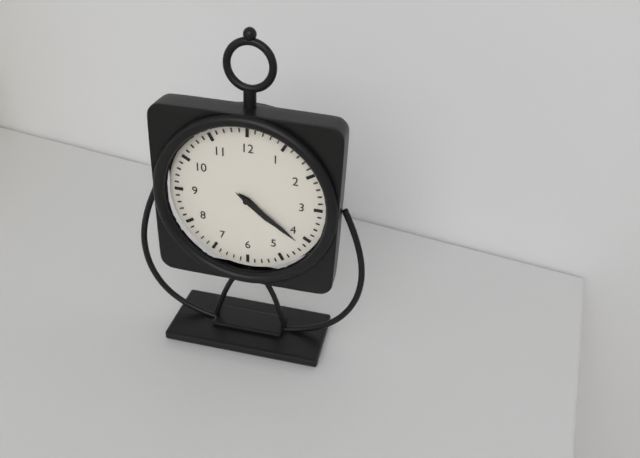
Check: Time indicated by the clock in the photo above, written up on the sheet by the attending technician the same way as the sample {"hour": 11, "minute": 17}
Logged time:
{"hour": 4, "minute": 21}
